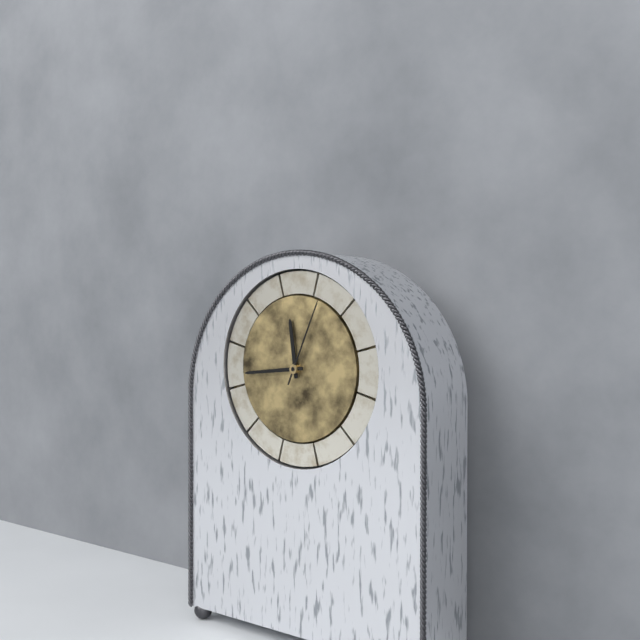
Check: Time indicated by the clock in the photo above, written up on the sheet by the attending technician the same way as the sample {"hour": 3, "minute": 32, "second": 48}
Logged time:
{"hour": 11, "minute": 44, "second": 4}
